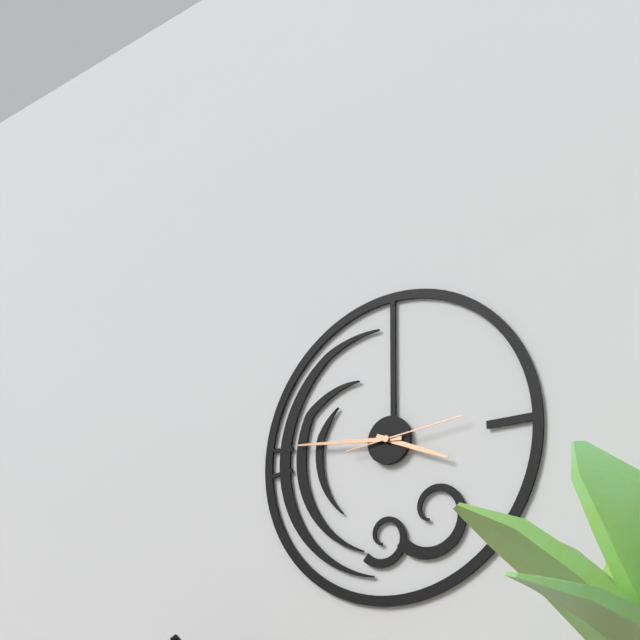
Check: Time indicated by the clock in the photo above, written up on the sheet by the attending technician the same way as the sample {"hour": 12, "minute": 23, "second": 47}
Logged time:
{"hour": 3, "minute": 46, "second": 14}
